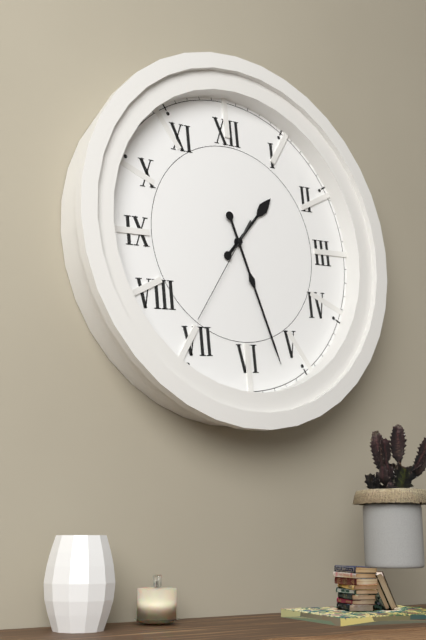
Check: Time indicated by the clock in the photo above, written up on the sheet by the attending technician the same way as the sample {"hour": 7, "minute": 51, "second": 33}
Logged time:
{"hour": 1, "minute": 27, "second": 36}
